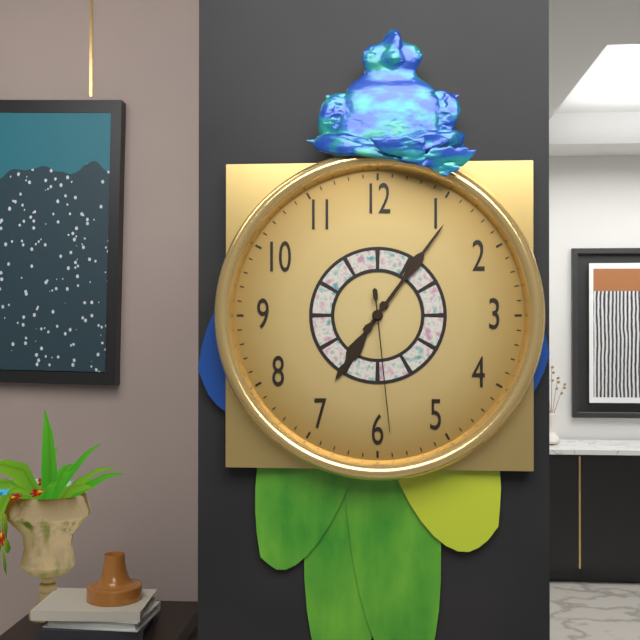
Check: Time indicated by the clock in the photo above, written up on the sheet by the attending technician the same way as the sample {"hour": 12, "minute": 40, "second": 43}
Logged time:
{"hour": 7, "minute": 6, "second": 29}
